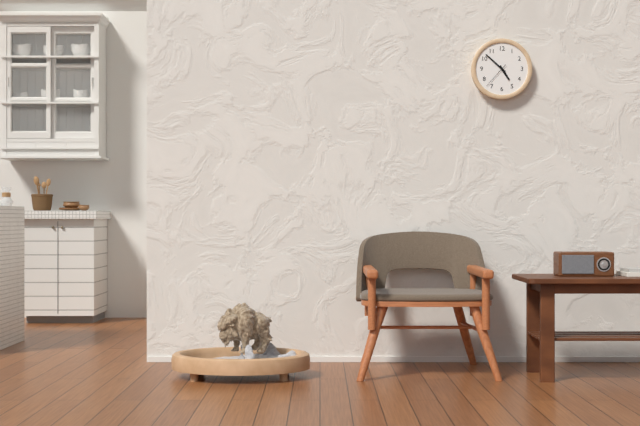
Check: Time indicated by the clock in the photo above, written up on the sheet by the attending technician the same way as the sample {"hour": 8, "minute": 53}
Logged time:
{"hour": 4, "minute": 52}
